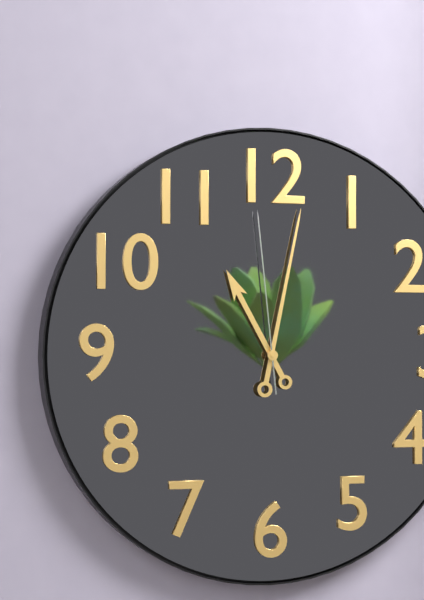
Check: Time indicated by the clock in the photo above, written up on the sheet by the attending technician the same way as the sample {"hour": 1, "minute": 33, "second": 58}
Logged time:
{"hour": 11, "minute": 2, "second": 59}
